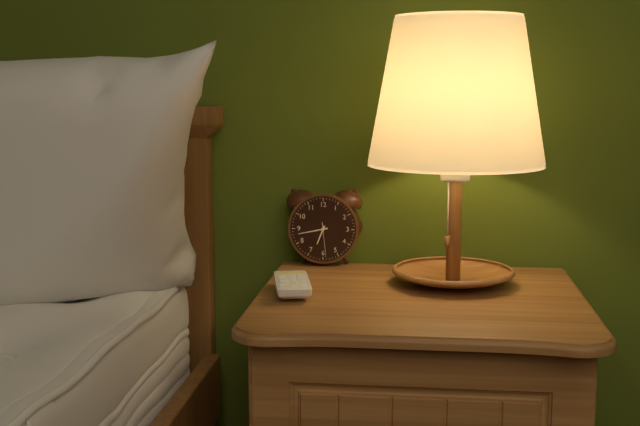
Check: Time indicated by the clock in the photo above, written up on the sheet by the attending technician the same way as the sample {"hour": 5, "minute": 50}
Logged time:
{"hour": 6, "minute": 43}
